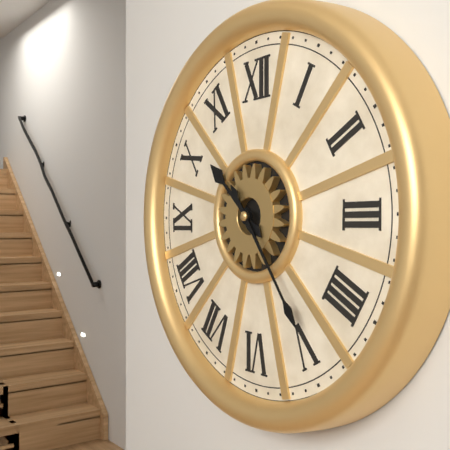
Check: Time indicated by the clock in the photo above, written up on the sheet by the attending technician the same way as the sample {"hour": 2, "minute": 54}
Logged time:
{"hour": 10, "minute": 24}
